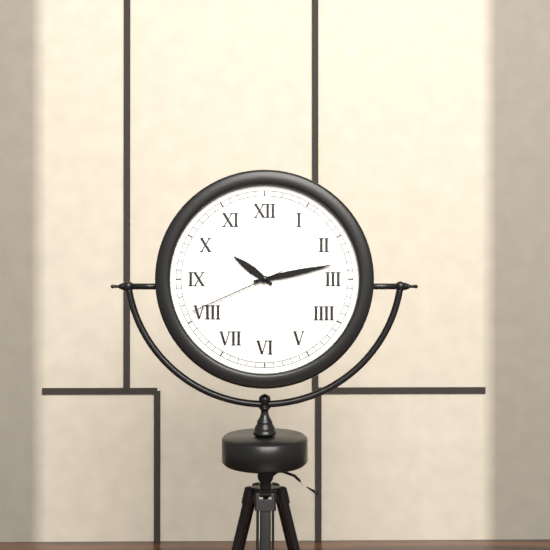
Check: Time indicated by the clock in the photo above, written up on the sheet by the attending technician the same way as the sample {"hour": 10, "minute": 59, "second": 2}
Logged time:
{"hour": 10, "minute": 13, "second": 41}
